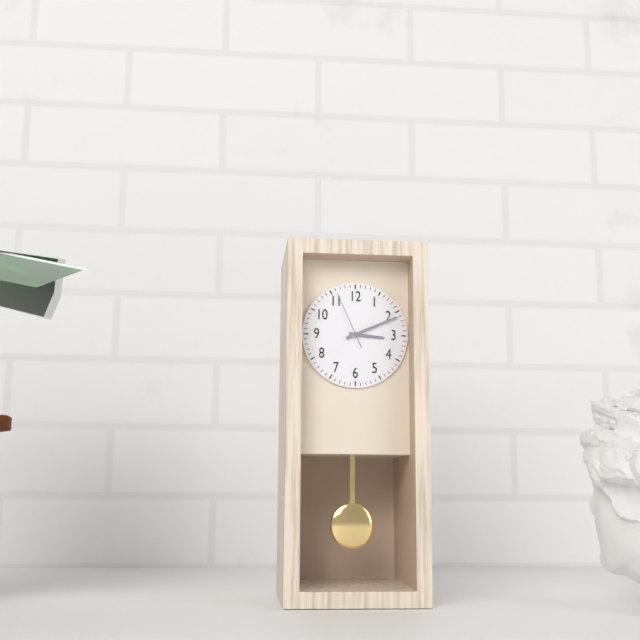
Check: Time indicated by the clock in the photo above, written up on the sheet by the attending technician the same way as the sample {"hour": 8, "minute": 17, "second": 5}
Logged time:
{"hour": 3, "minute": 11, "second": 56}
